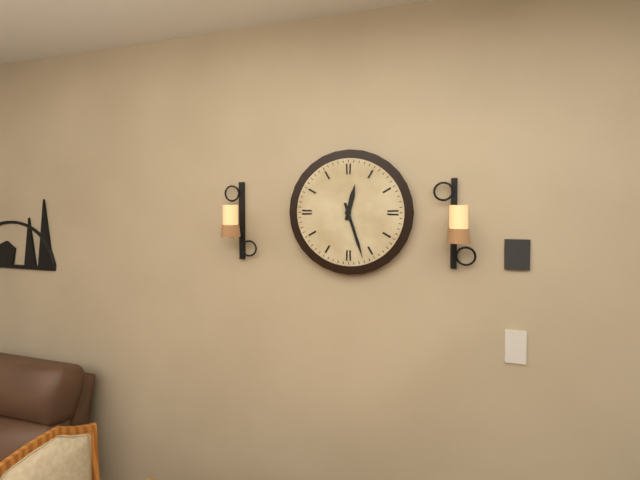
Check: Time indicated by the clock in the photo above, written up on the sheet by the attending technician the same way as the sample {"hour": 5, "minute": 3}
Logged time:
{"hour": 12, "minute": 27}
